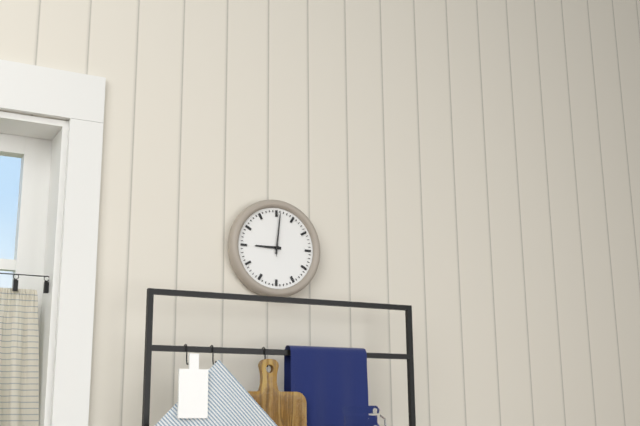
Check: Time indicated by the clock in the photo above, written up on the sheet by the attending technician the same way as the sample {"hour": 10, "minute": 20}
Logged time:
{"hour": 9, "minute": 1}
